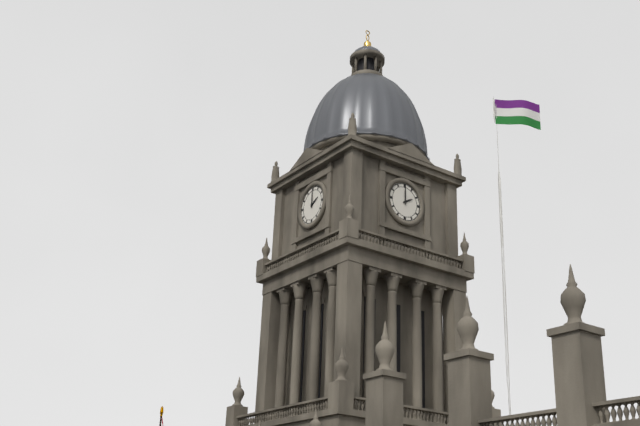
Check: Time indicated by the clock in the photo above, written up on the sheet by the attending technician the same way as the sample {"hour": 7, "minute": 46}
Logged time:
{"hour": 2, "minute": 0}
